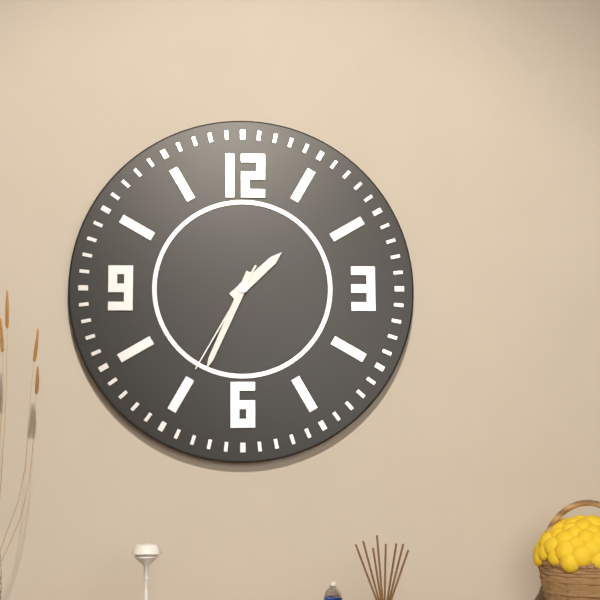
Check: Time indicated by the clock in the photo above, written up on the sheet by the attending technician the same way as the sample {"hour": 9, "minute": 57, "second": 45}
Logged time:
{"hour": 1, "minute": 34, "second": 35}
